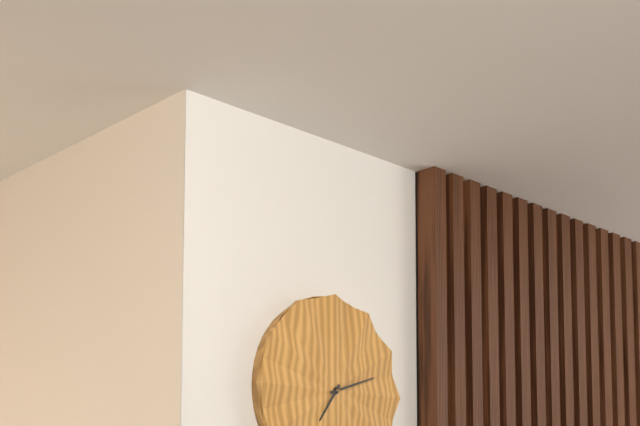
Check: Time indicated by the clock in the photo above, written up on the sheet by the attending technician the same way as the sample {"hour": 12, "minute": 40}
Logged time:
{"hour": 7, "minute": 12}
